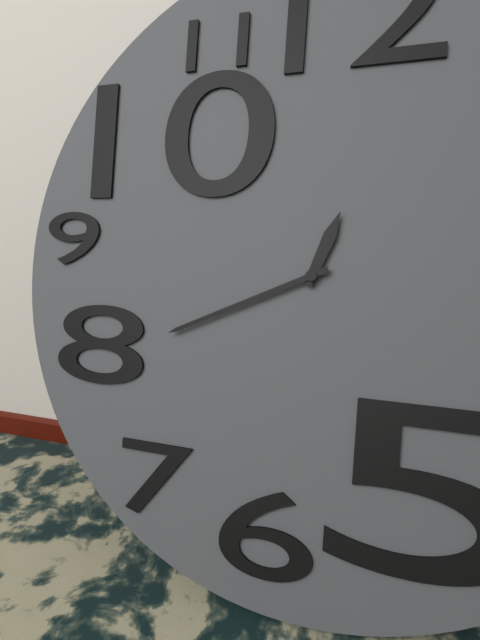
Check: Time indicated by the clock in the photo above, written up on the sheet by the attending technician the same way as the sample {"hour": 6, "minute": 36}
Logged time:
{"hour": 12, "minute": 41}
